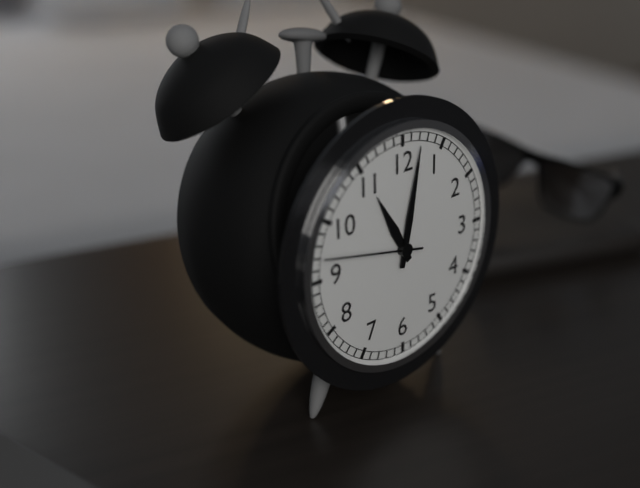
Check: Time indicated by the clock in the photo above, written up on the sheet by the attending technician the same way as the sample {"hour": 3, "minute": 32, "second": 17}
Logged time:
{"hour": 11, "minute": 2, "second": 47}
